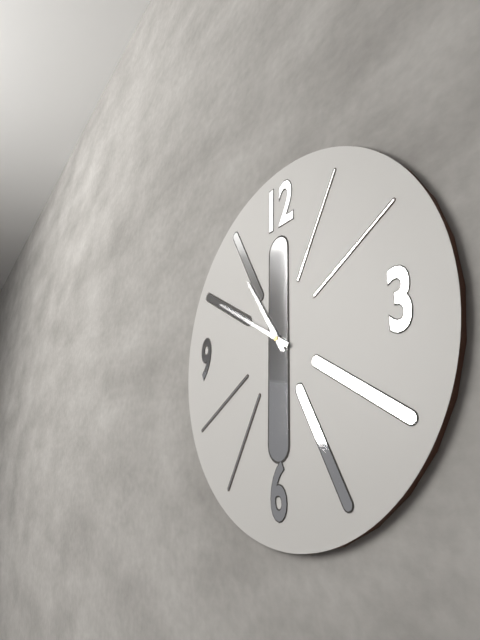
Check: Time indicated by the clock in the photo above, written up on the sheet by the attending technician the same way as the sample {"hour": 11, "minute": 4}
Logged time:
{"hour": 10, "minute": 50}
